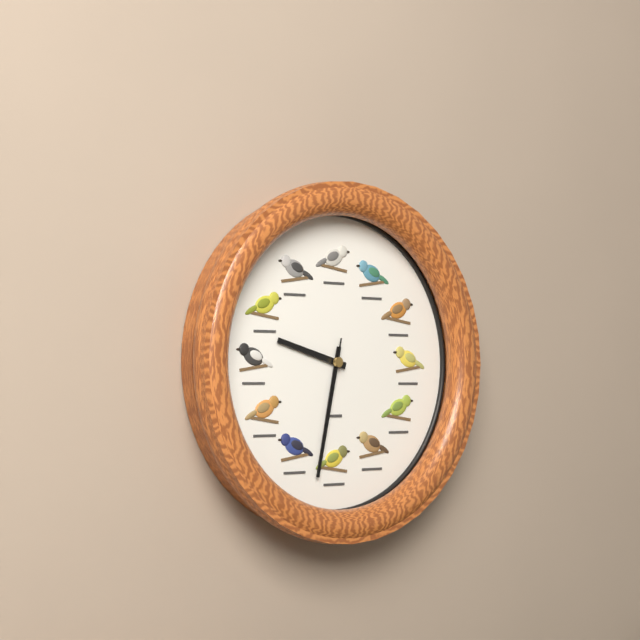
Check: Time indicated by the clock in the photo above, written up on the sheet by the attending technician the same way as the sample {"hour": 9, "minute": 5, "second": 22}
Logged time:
{"hour": 9, "minute": 32, "second": 32}
